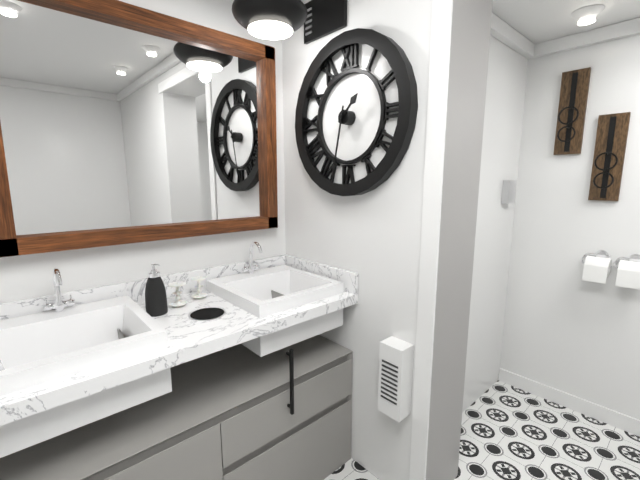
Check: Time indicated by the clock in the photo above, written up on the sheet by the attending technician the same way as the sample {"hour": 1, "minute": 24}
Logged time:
{"hour": 1, "minute": 32}
